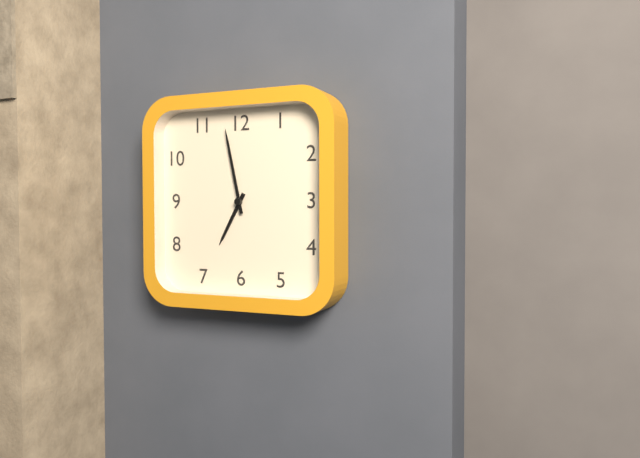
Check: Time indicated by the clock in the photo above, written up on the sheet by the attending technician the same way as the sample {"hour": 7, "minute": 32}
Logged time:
{"hour": 6, "minute": 58}
